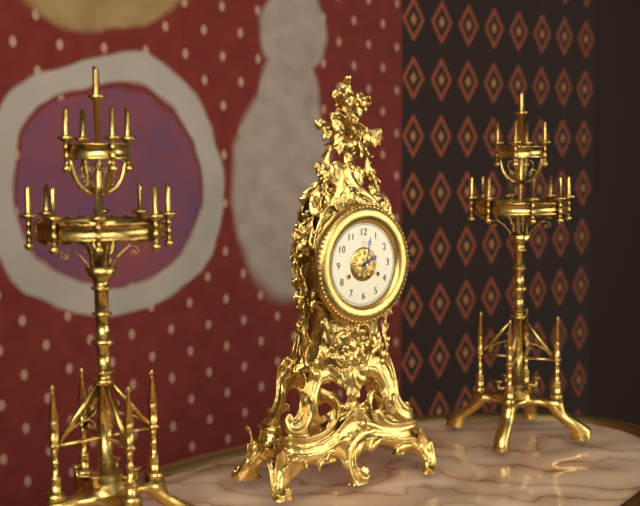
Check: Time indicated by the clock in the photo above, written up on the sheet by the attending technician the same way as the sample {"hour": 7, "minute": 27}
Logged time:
{"hour": 2, "minute": 2}
